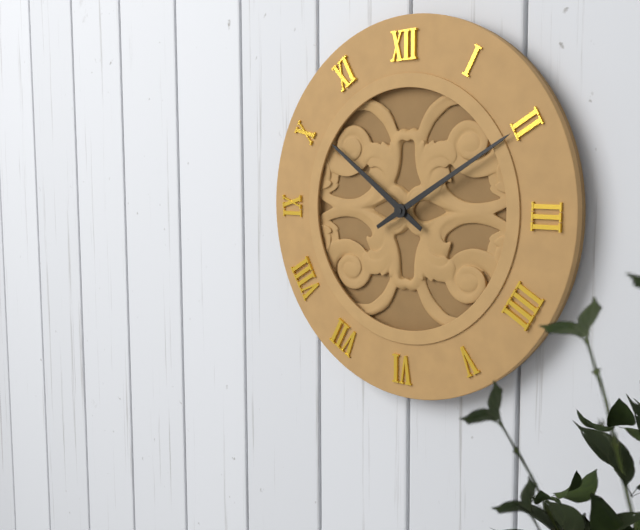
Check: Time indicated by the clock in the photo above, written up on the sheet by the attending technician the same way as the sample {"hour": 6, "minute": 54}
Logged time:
{"hour": 10, "minute": 10}
